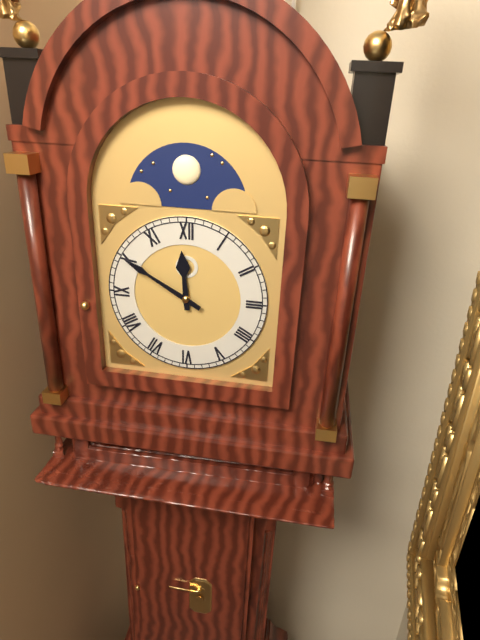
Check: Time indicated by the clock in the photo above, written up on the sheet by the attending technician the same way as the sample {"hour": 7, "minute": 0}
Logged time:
{"hour": 11, "minute": 50}
